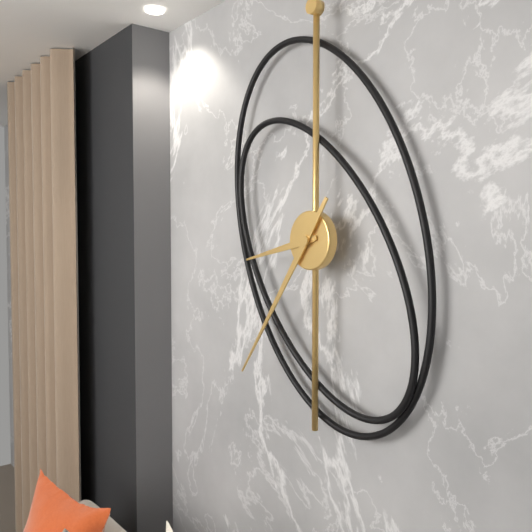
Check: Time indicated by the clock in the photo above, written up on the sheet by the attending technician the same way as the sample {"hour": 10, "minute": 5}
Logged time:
{"hour": 8, "minute": 36}
